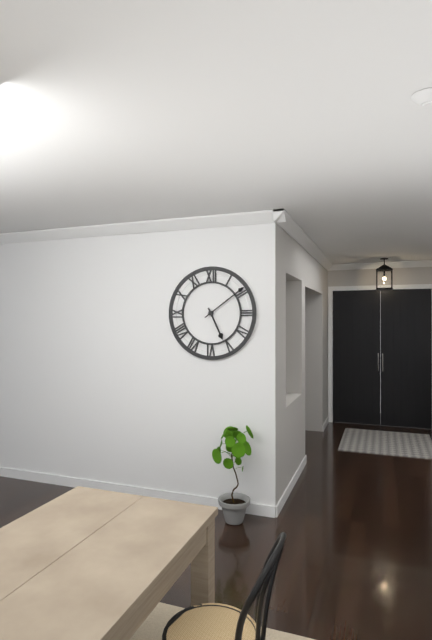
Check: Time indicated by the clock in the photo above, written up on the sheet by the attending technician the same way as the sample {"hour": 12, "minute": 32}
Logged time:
{"hour": 5, "minute": 9}
